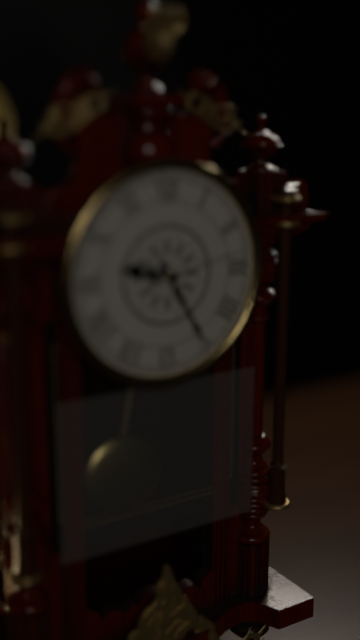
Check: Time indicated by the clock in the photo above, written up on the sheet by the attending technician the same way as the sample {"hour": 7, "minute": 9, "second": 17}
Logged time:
{"hour": 9, "minute": 25, "second": 13}
